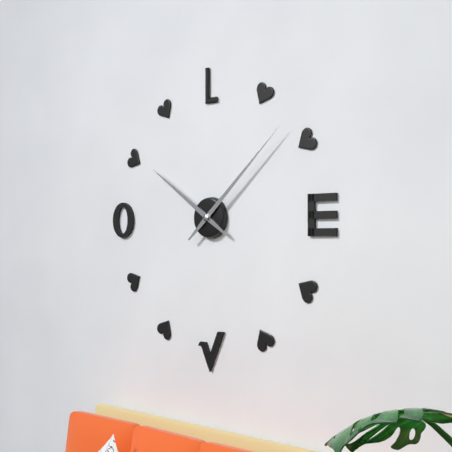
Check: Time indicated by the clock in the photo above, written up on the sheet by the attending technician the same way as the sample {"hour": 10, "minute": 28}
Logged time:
{"hour": 10, "minute": 8}
